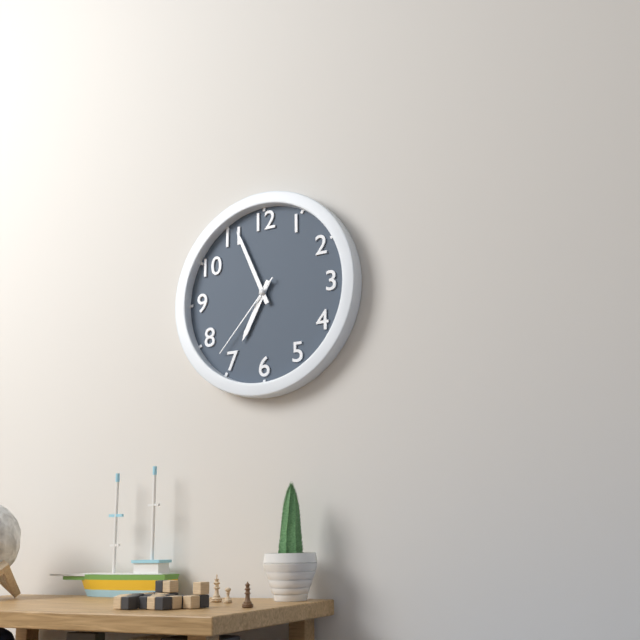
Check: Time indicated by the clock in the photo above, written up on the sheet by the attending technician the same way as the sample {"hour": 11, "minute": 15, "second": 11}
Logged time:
{"hour": 6, "minute": 56, "second": 37}
